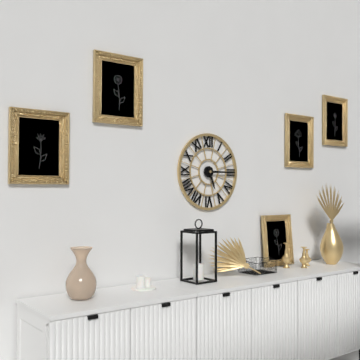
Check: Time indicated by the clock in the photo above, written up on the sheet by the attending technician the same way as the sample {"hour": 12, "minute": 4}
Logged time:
{"hour": 5, "minute": 15}
